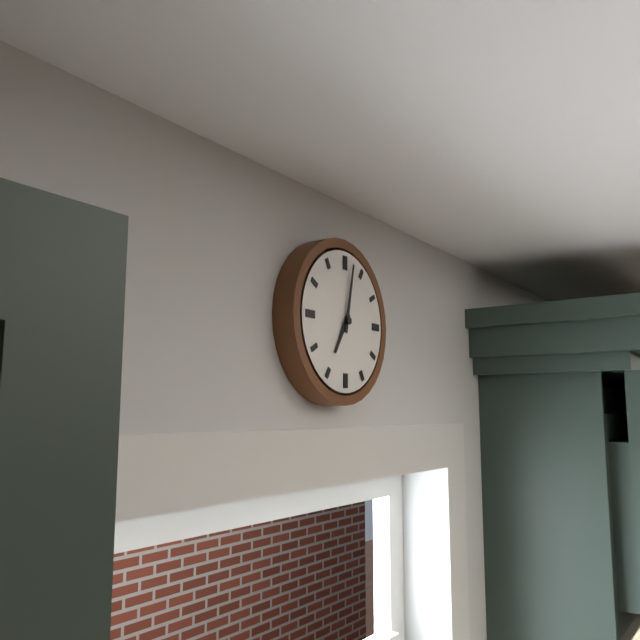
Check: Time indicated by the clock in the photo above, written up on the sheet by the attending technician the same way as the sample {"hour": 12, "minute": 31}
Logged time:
{"hour": 7, "minute": 2}
